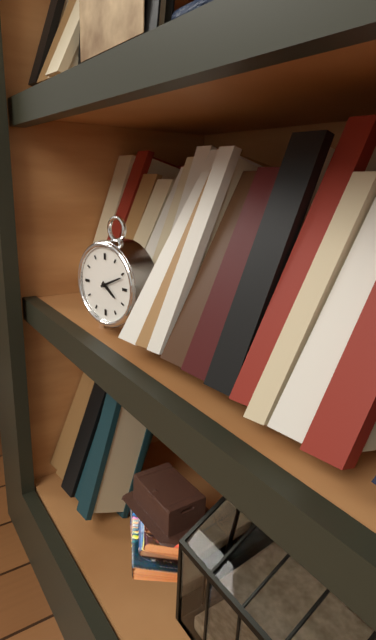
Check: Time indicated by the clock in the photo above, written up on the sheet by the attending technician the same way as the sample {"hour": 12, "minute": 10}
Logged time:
{"hour": 4, "minute": 11}
